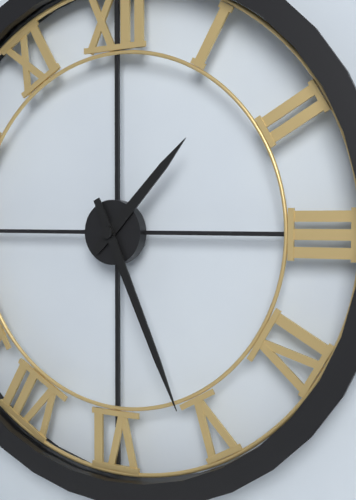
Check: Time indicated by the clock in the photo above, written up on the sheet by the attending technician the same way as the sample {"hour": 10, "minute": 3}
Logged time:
{"hour": 1, "minute": 26}
